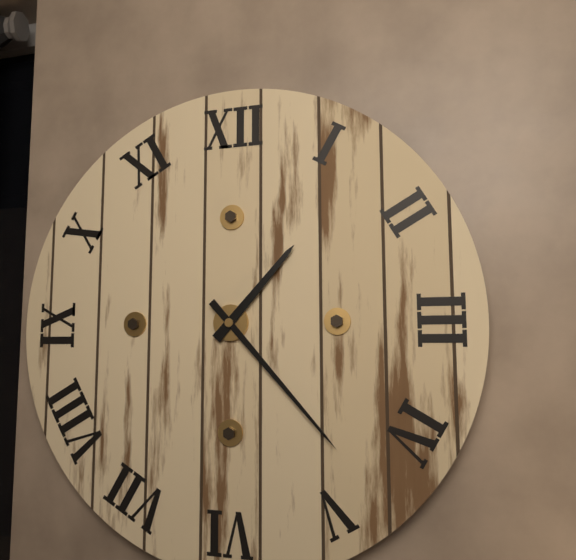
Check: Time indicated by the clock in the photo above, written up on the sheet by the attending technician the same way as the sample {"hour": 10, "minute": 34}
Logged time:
{"hour": 1, "minute": 23}
